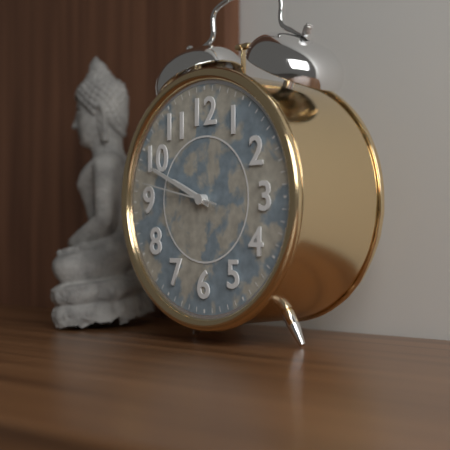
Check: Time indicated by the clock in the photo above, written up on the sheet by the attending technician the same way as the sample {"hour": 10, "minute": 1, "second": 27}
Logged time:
{"hour": 9, "minute": 49, "second": 47}
